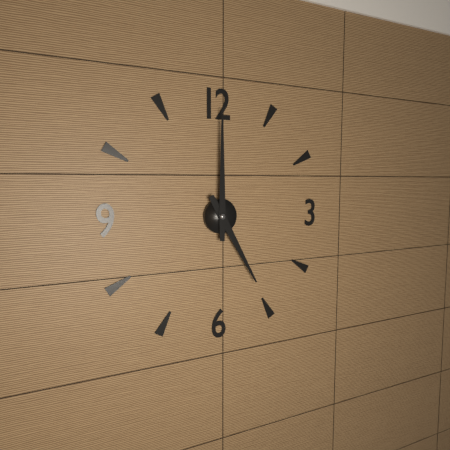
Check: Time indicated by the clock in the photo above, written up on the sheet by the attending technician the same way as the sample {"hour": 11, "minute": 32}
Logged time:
{"hour": 5, "minute": 0}
